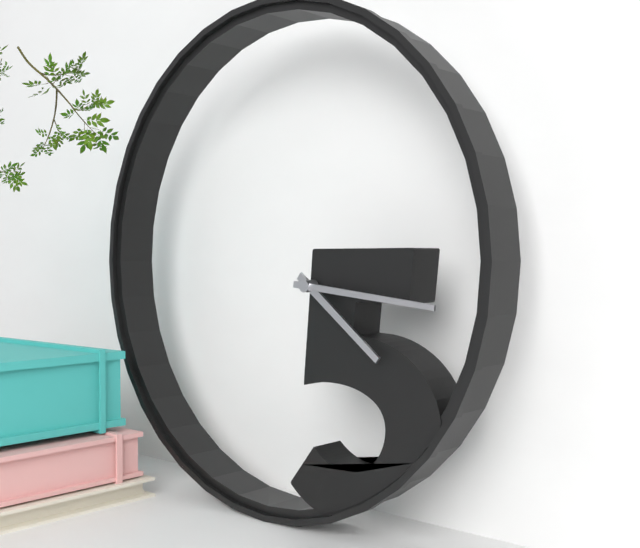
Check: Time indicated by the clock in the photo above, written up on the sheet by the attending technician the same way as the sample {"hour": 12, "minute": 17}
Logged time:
{"hour": 4, "minute": 16}
